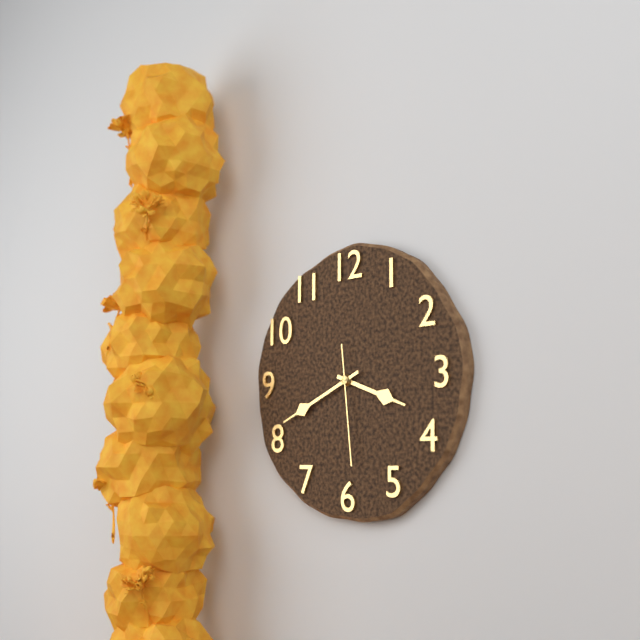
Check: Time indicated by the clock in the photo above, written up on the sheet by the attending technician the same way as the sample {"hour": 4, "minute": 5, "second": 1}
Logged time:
{"hour": 3, "minute": 41, "second": 29}
